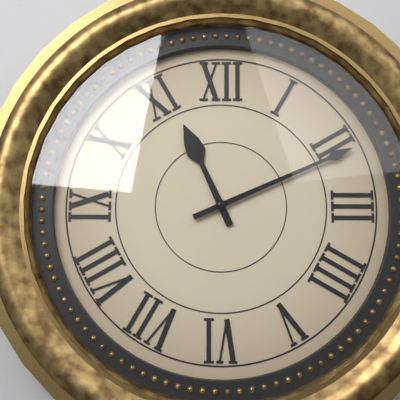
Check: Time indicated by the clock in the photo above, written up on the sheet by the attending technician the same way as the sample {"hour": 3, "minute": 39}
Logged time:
{"hour": 11, "minute": 11}
